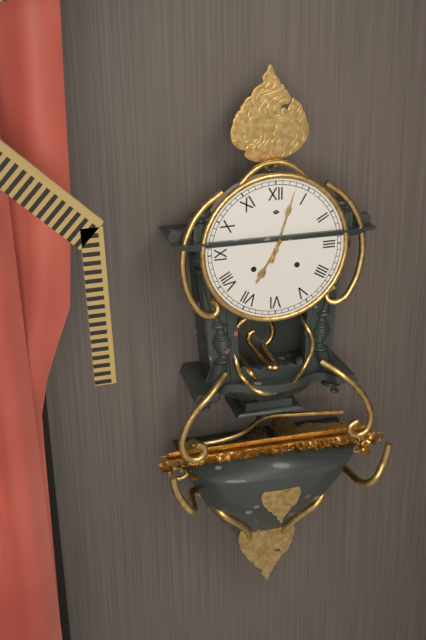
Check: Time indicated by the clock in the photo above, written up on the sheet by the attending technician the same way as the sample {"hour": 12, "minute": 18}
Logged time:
{"hour": 7, "minute": 3}
